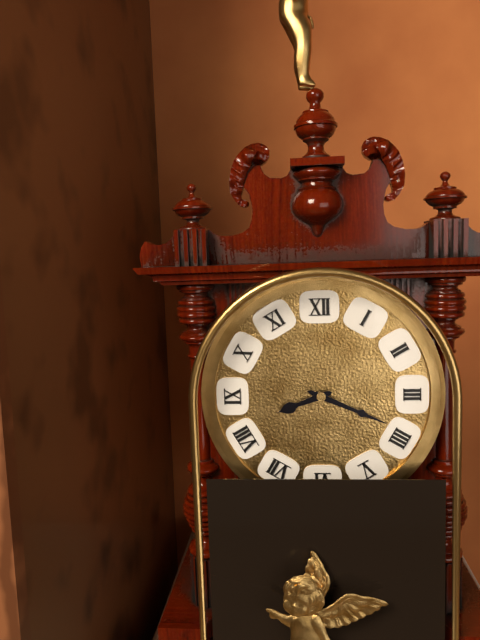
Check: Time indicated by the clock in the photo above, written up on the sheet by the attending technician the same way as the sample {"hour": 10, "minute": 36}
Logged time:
{"hour": 8, "minute": 19}
